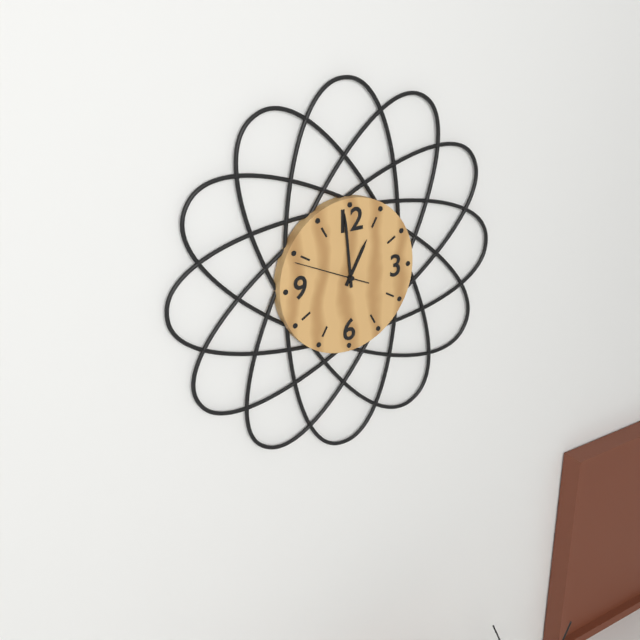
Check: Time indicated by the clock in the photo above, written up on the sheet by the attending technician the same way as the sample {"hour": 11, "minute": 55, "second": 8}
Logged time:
{"hour": 12, "minute": 59, "second": 49}
